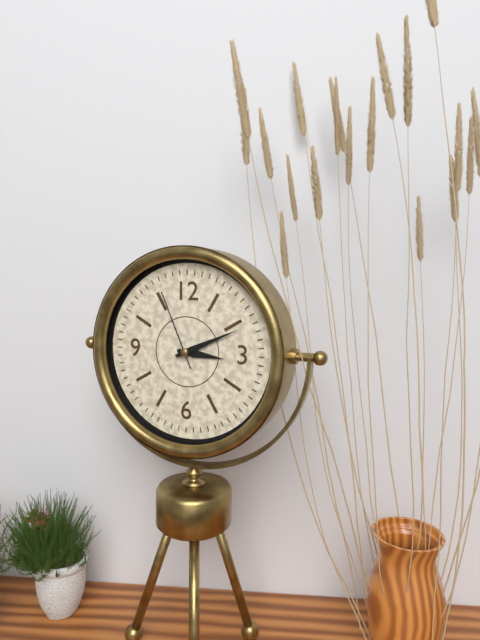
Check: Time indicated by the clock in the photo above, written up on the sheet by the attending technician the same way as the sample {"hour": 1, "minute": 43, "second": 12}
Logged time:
{"hour": 3, "minute": 11, "second": 56}
